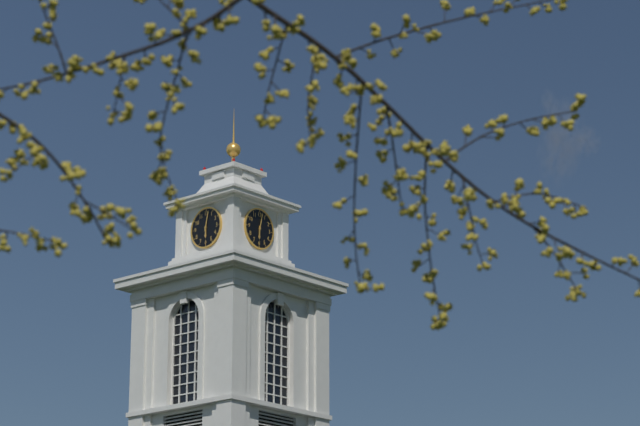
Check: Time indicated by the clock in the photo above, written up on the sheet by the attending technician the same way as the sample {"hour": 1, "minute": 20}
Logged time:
{"hour": 6, "minute": 2}
